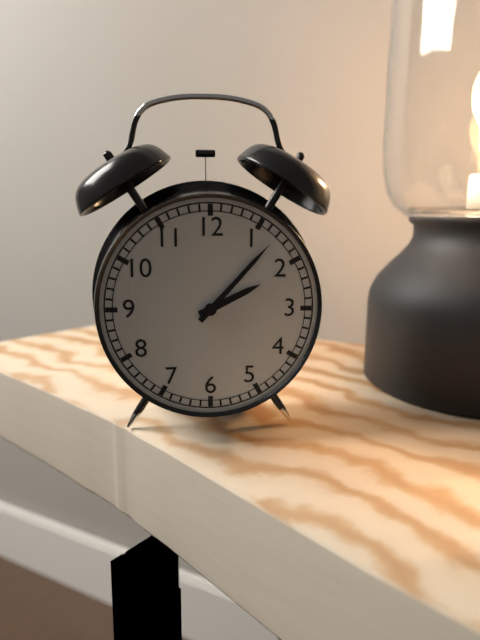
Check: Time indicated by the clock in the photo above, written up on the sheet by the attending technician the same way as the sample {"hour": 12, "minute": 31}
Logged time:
{"hour": 2, "minute": 7}
